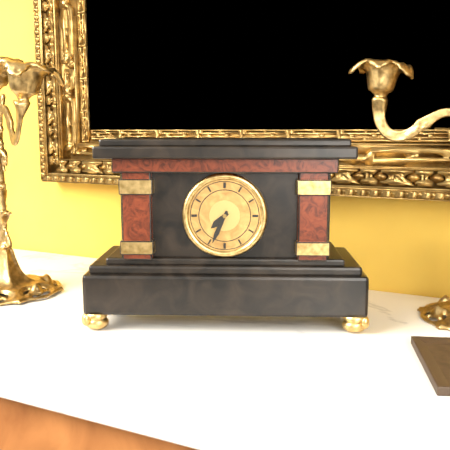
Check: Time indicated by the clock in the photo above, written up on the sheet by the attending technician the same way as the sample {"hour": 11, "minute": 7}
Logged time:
{"hour": 7, "minute": 34}
